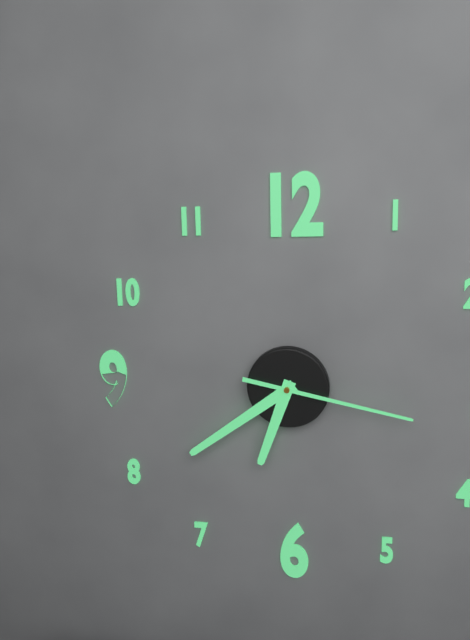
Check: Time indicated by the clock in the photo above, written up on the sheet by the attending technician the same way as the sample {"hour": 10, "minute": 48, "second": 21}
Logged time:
{"hour": 6, "minute": 39, "second": 17}
